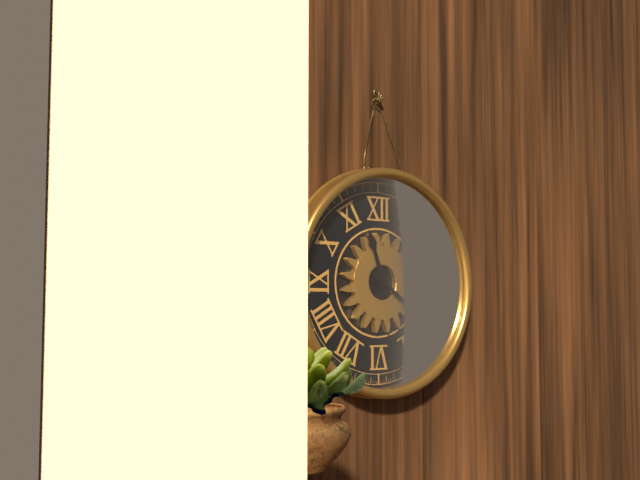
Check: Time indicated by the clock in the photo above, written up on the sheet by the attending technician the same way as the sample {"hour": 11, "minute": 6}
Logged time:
{"hour": 11, "minute": 21}
